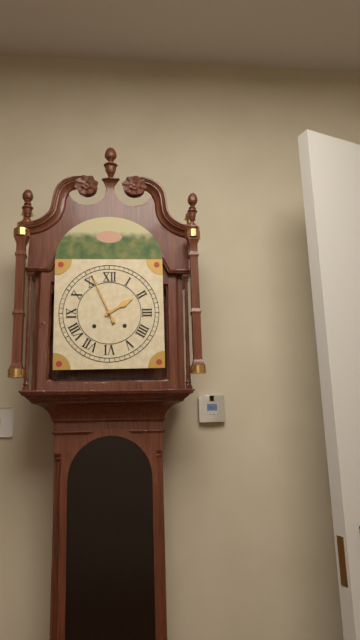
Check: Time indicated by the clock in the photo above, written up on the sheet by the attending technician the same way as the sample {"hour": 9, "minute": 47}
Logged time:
{"hour": 1, "minute": 56}
